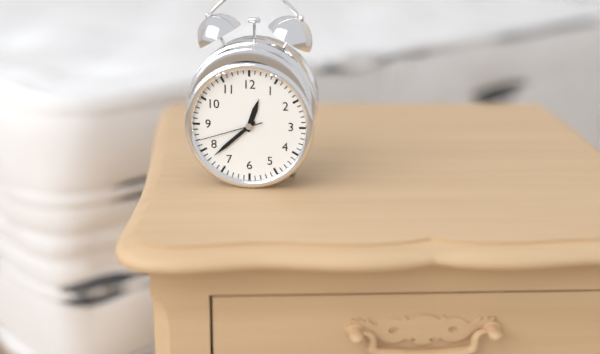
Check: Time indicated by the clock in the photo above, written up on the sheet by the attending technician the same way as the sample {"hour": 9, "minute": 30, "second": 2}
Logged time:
{"hour": 12, "minute": 38, "second": 42}
